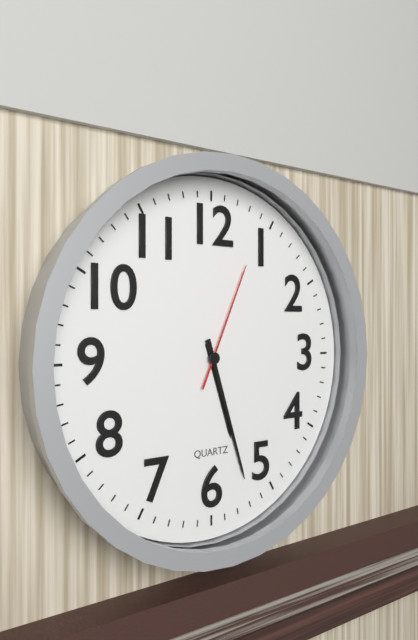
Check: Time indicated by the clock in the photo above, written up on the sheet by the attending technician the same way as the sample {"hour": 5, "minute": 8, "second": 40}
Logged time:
{"hour": 5, "minute": 27, "second": 4}
